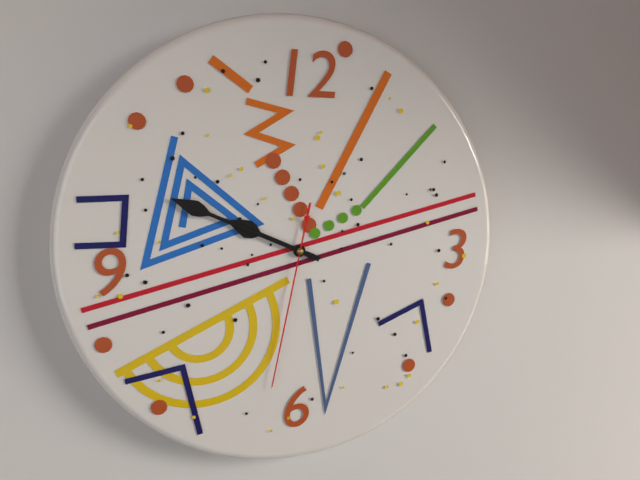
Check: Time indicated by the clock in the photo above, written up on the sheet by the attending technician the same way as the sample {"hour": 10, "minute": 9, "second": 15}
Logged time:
{"hour": 9, "minute": 49, "second": 32}
